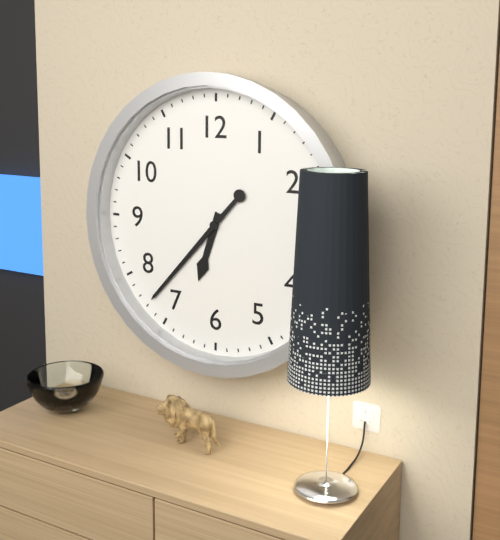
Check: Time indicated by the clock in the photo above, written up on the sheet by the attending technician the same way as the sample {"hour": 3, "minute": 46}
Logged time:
{"hour": 6, "minute": 37}
